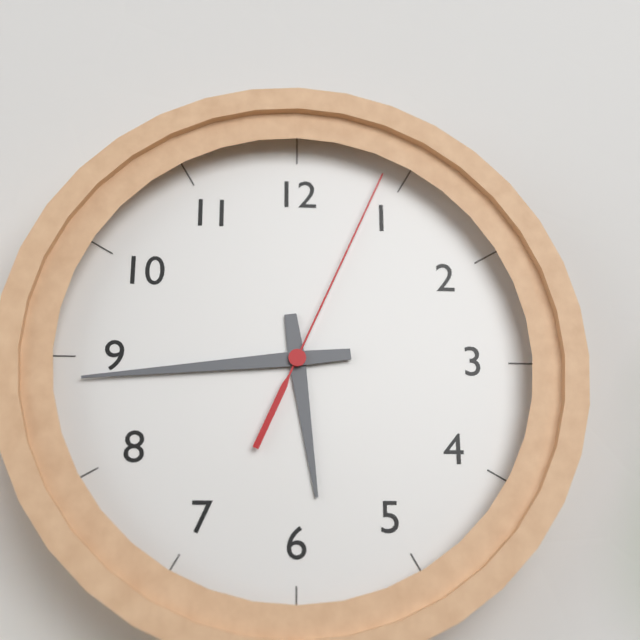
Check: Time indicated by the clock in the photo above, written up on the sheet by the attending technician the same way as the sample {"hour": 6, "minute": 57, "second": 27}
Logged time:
{"hour": 5, "minute": 44, "second": 4}
